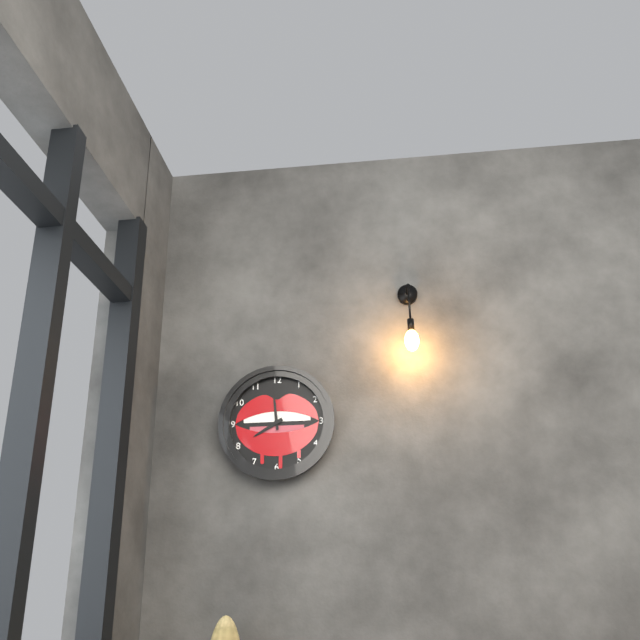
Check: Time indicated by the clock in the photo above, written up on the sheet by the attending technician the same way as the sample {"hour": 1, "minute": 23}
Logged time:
{"hour": 7, "minute": 59}
